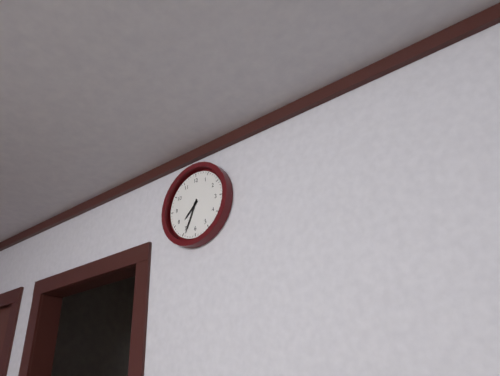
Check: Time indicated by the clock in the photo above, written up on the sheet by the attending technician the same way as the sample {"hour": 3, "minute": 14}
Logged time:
{"hour": 7, "minute": 34}
